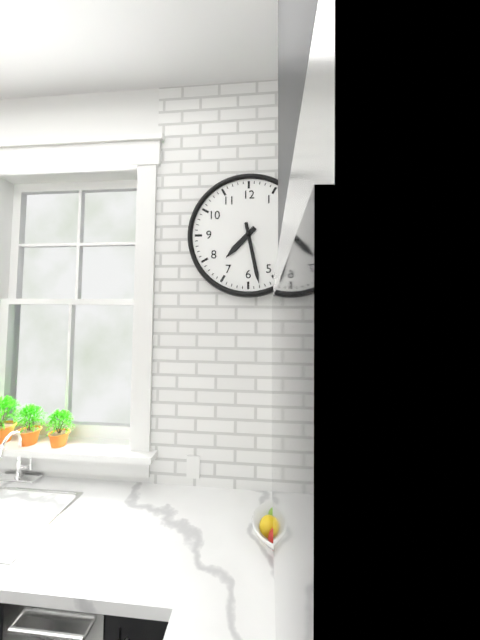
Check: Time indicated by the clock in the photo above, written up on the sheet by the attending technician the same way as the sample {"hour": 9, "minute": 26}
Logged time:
{"hour": 7, "minute": 28}
